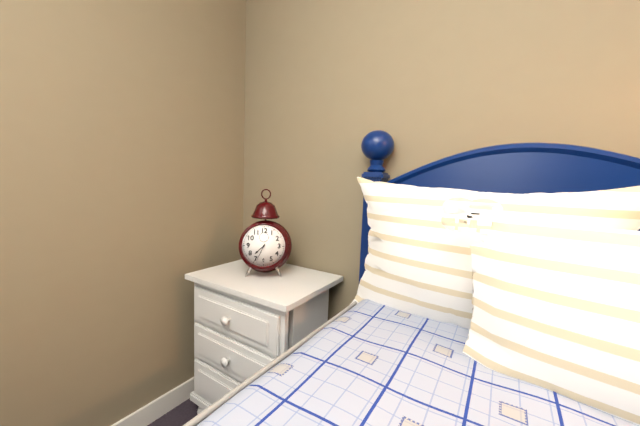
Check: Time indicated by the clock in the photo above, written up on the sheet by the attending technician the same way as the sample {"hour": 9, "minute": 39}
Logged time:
{"hour": 7, "minute": 34}
